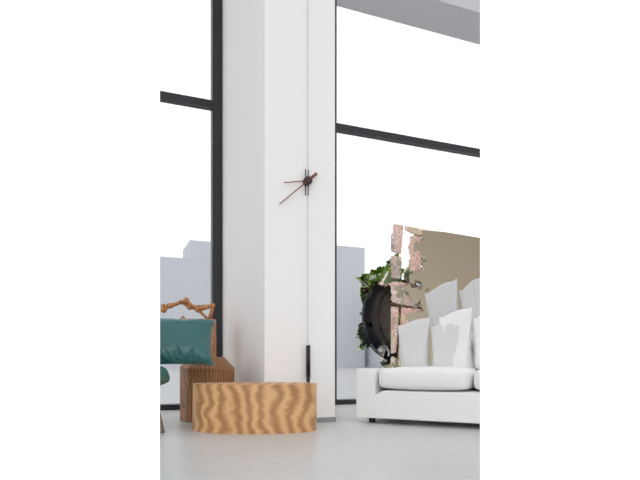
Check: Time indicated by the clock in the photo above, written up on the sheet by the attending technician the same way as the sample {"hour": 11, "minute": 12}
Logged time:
{"hour": 8, "minute": 38}
